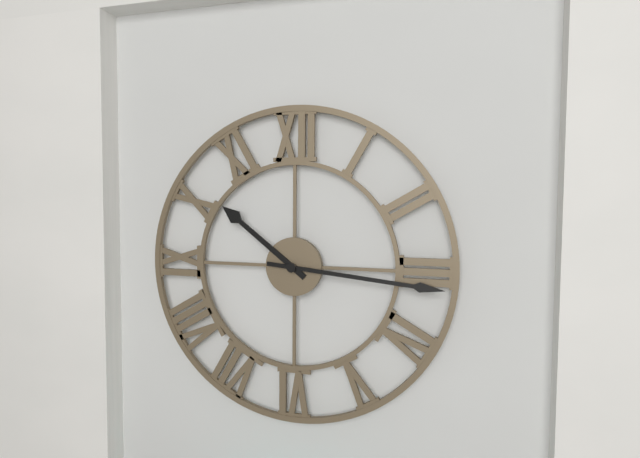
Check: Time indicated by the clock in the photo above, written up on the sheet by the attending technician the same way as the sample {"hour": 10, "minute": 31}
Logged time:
{"hour": 10, "minute": 16}
